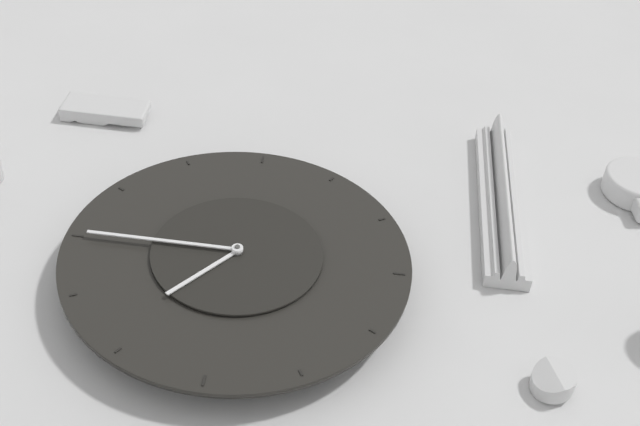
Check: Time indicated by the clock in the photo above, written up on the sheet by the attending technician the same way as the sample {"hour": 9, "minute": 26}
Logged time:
{"hour": 1, "minute": 15}
